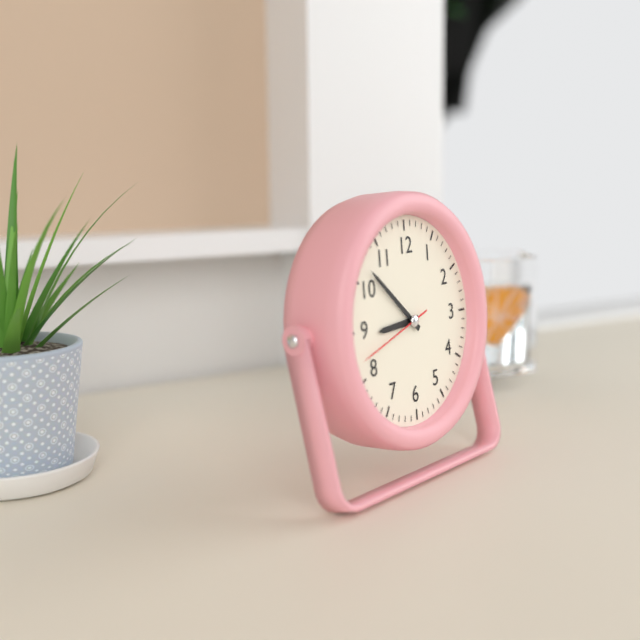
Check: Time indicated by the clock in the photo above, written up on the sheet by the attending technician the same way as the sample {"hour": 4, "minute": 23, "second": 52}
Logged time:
{"hour": 8, "minute": 52, "second": 42}
